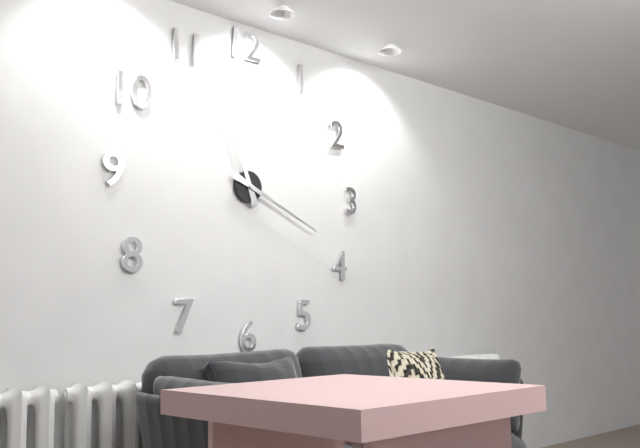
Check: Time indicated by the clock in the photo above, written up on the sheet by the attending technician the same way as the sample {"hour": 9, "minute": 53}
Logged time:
{"hour": 11, "minute": 19}
